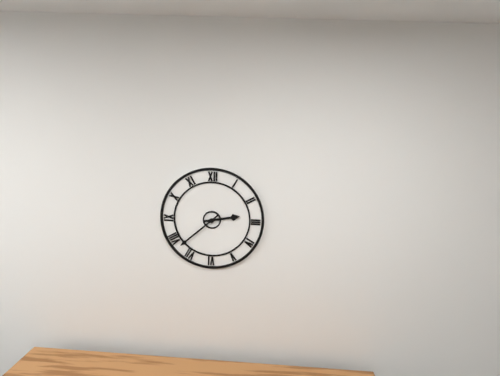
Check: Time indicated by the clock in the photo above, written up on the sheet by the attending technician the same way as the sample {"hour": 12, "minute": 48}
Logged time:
{"hour": 2, "minute": 38}
